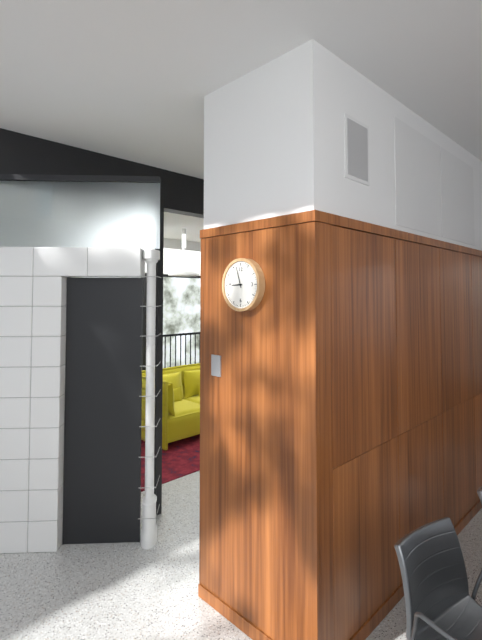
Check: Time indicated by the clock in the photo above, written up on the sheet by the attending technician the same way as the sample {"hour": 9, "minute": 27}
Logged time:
{"hour": 8, "minute": 57}
